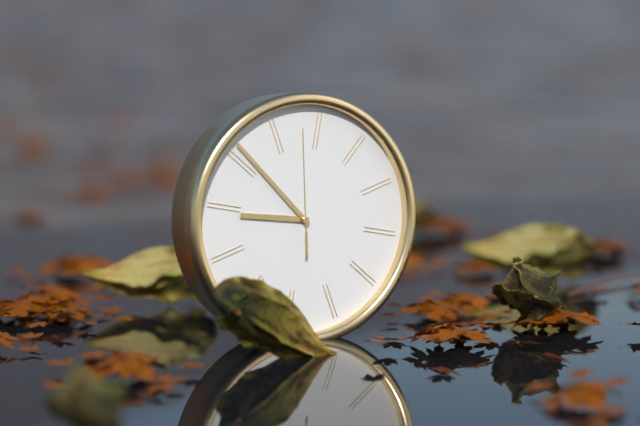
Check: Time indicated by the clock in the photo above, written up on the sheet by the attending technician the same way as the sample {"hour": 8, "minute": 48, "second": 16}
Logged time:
{"hour": 8, "minute": 51, "second": 58}
